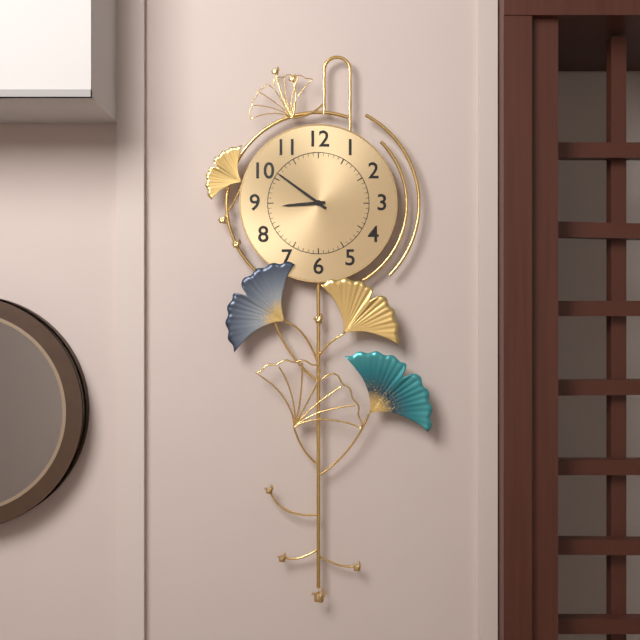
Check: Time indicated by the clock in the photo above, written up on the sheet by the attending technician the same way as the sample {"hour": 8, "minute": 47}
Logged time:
{"hour": 8, "minute": 51}
